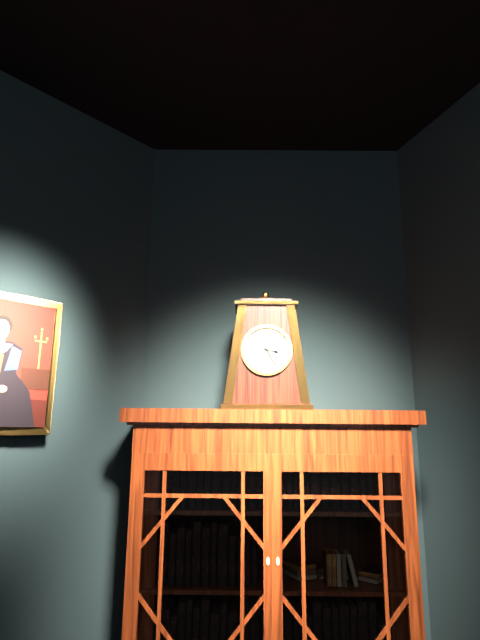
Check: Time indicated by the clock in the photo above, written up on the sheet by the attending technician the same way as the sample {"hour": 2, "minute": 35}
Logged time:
{"hour": 3, "minute": 25}
